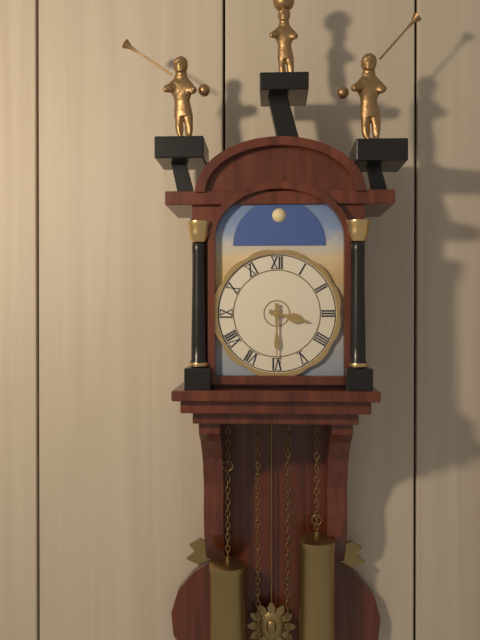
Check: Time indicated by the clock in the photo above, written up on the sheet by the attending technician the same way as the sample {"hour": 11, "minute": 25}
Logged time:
{"hour": 3, "minute": 30}
